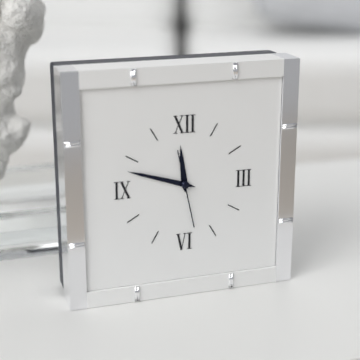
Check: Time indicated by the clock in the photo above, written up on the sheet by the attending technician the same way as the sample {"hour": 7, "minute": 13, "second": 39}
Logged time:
{"hour": 11, "minute": 48, "second": 28}
